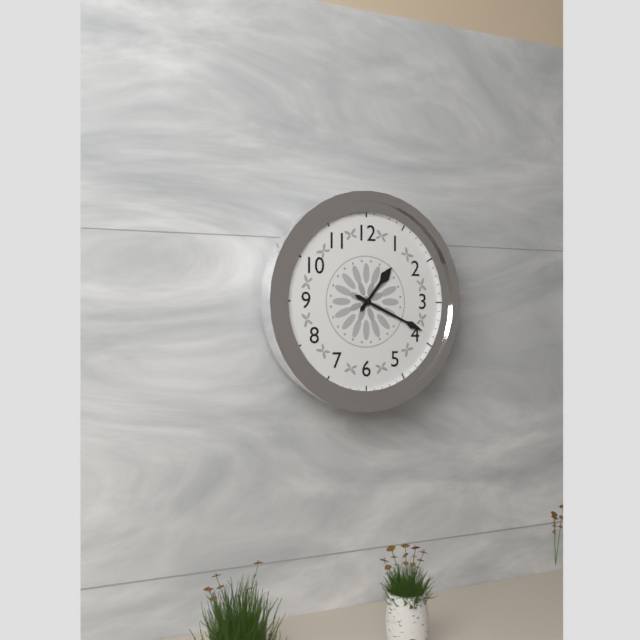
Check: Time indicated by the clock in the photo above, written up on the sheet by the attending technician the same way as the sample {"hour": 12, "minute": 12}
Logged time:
{"hour": 1, "minute": 19}
